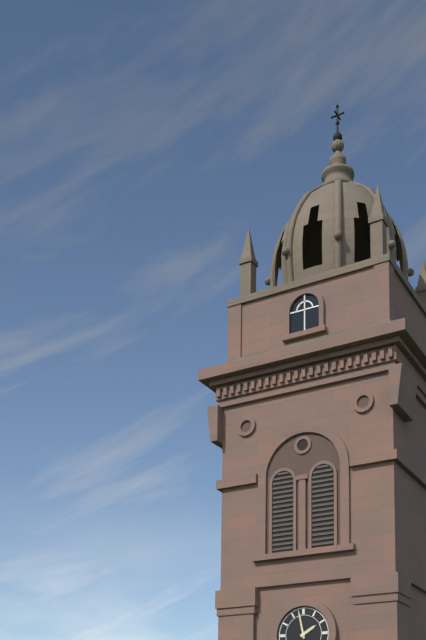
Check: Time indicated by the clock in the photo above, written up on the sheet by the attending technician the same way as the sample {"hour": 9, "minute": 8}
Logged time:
{"hour": 1, "minute": 58}
